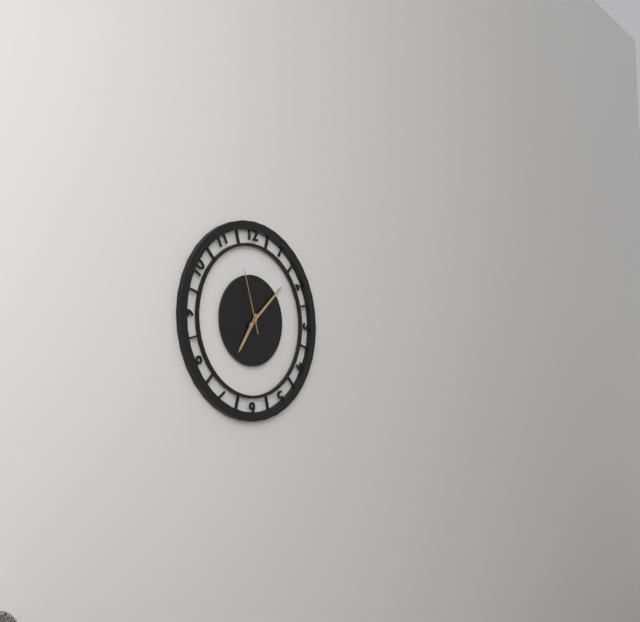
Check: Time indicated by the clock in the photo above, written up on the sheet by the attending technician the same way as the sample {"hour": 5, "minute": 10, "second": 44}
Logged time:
{"hour": 7, "minute": 8, "second": 57}
